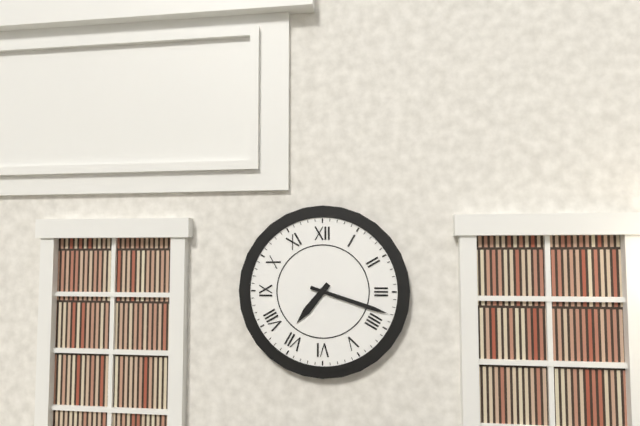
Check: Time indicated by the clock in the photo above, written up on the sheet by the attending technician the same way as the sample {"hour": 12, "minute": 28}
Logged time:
{"hour": 7, "minute": 18}
